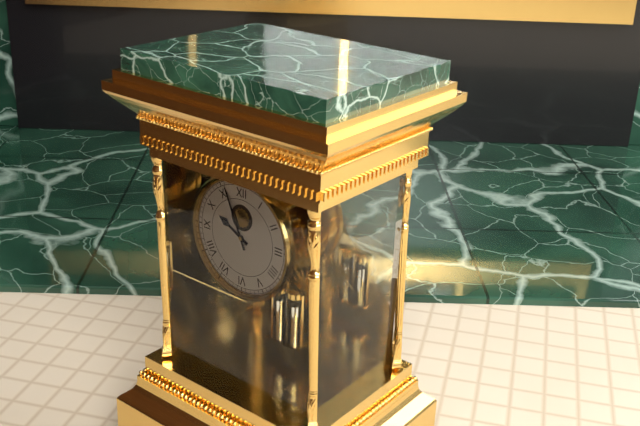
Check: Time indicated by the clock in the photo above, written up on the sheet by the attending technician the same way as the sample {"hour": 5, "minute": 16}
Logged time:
{"hour": 9, "minute": 56}
